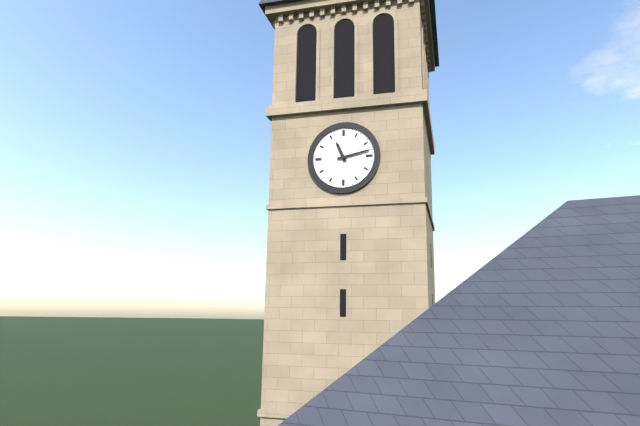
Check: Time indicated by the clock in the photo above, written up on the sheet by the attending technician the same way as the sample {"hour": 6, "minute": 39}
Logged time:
{"hour": 11, "minute": 13}
